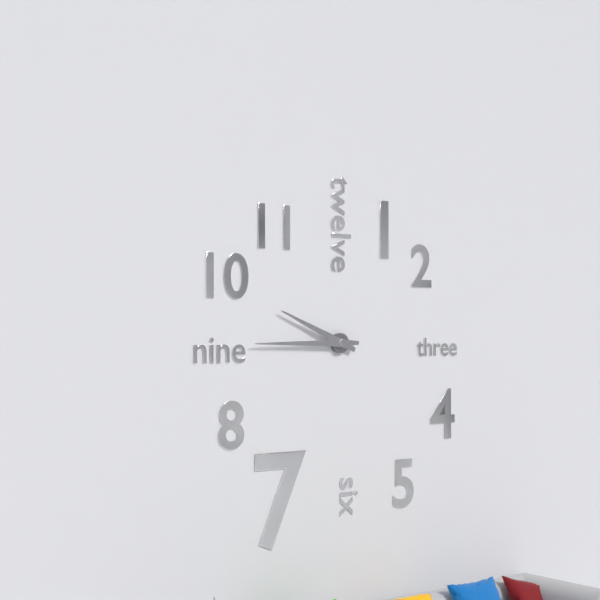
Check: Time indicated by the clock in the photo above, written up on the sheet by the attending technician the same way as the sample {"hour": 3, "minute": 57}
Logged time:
{"hour": 9, "minute": 45}
